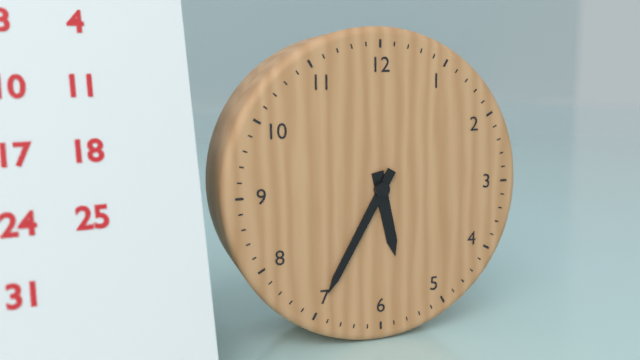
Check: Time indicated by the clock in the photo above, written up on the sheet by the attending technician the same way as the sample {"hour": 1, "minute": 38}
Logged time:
{"hour": 5, "minute": 35}
